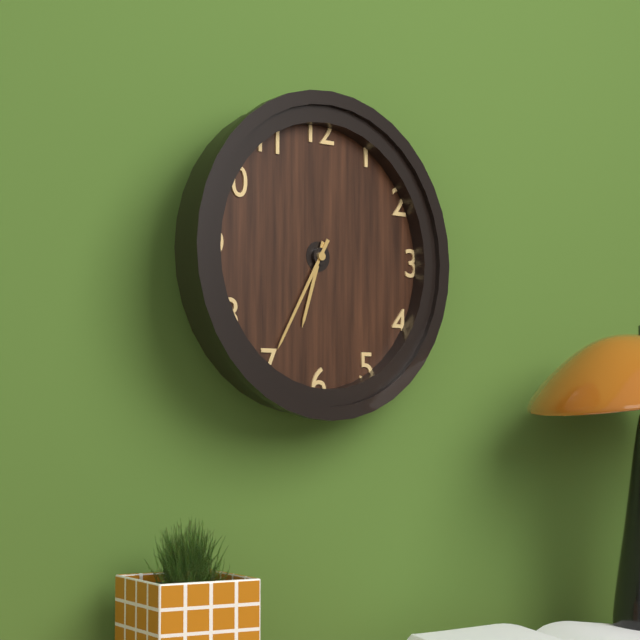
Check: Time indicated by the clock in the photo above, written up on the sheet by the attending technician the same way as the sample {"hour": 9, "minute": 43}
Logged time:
{"hour": 6, "minute": 35}
